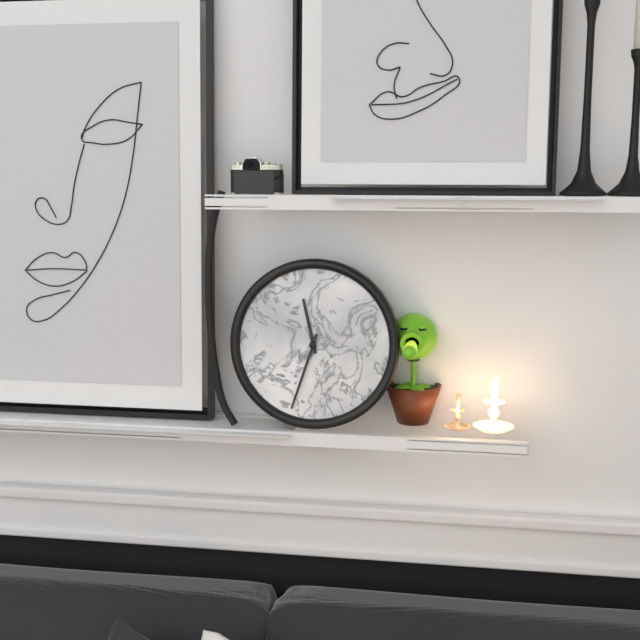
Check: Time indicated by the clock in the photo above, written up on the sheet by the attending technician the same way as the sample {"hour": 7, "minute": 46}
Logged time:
{"hour": 11, "minute": 33}
